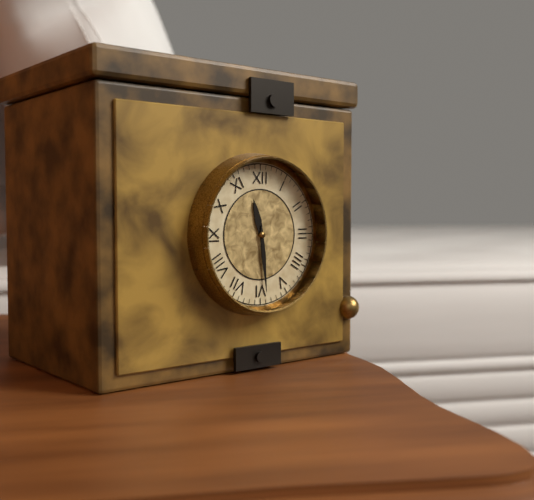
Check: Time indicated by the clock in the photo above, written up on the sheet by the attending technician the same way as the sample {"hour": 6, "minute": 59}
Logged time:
{"hour": 11, "minute": 29}
